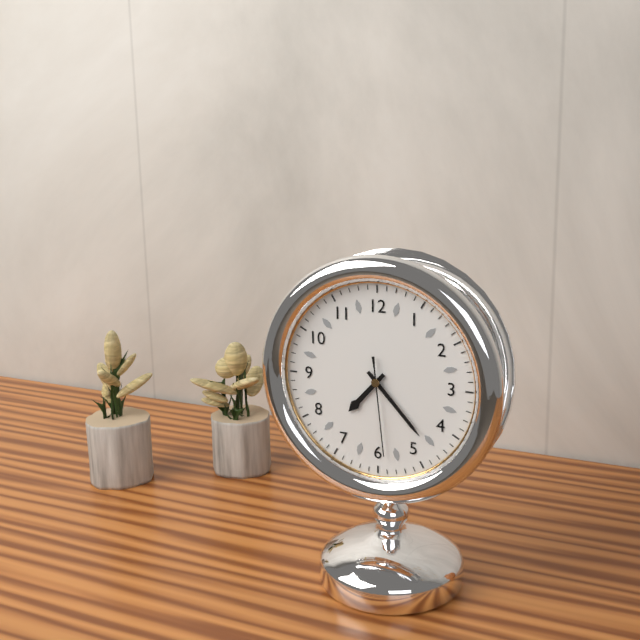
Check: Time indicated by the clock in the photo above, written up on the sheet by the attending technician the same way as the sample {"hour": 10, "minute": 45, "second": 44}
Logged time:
{"hour": 7, "minute": 23, "second": 29}
